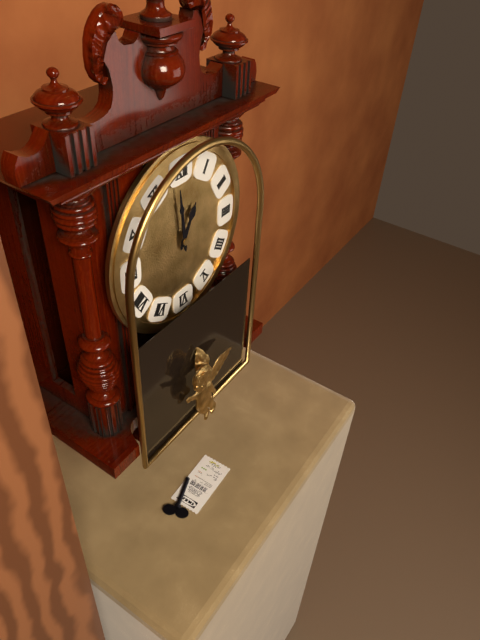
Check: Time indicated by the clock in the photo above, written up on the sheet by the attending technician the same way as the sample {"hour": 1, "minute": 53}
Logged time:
{"hour": 12, "minute": 59}
